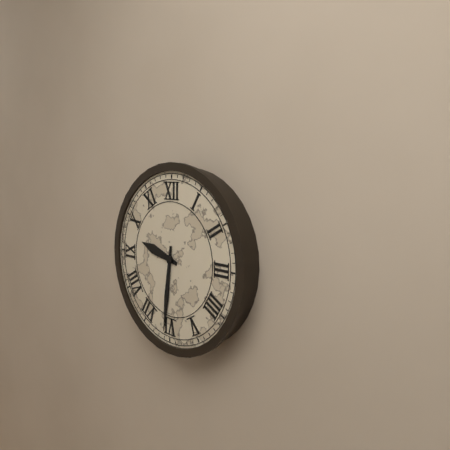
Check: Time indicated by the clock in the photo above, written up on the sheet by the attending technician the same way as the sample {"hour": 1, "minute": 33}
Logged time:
{"hour": 9, "minute": 31}
